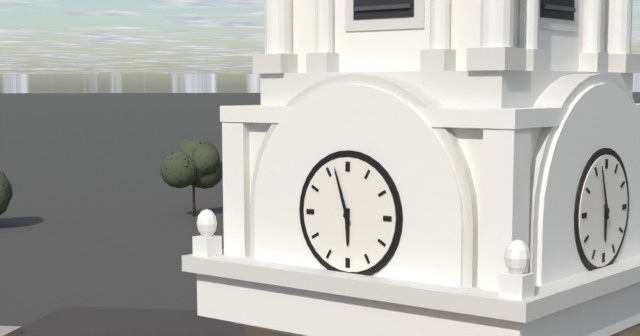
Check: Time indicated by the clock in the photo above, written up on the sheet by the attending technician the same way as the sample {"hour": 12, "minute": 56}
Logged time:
{"hour": 5, "minute": 57}
